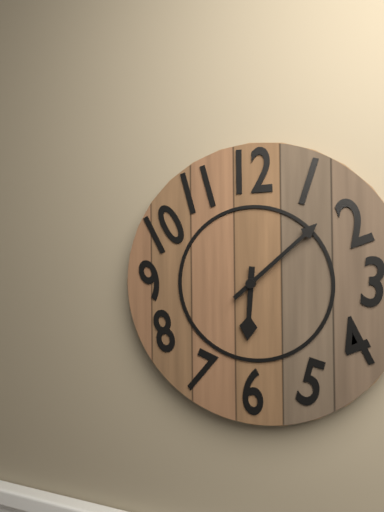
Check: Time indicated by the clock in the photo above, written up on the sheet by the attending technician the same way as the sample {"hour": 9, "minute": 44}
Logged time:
{"hour": 6, "minute": 8}
